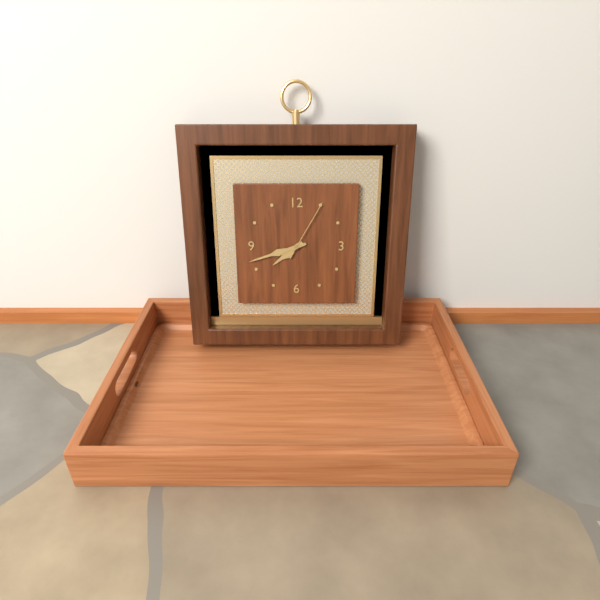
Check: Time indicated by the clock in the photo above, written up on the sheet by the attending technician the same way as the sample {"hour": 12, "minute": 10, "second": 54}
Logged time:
{"hour": 7, "minute": 42, "second": 5}
